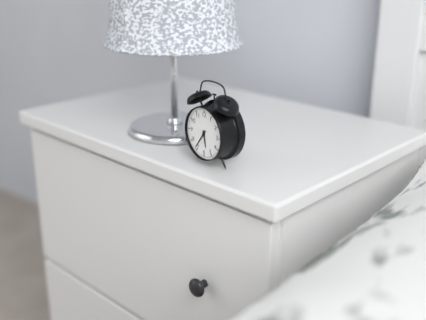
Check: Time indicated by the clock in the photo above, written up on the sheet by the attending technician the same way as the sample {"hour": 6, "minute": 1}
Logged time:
{"hour": 5, "minute": 36}
